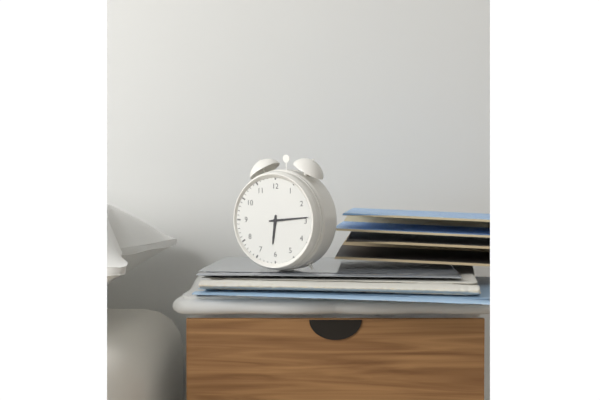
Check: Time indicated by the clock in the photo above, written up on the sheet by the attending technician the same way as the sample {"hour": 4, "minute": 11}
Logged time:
{"hour": 6, "minute": 14}
